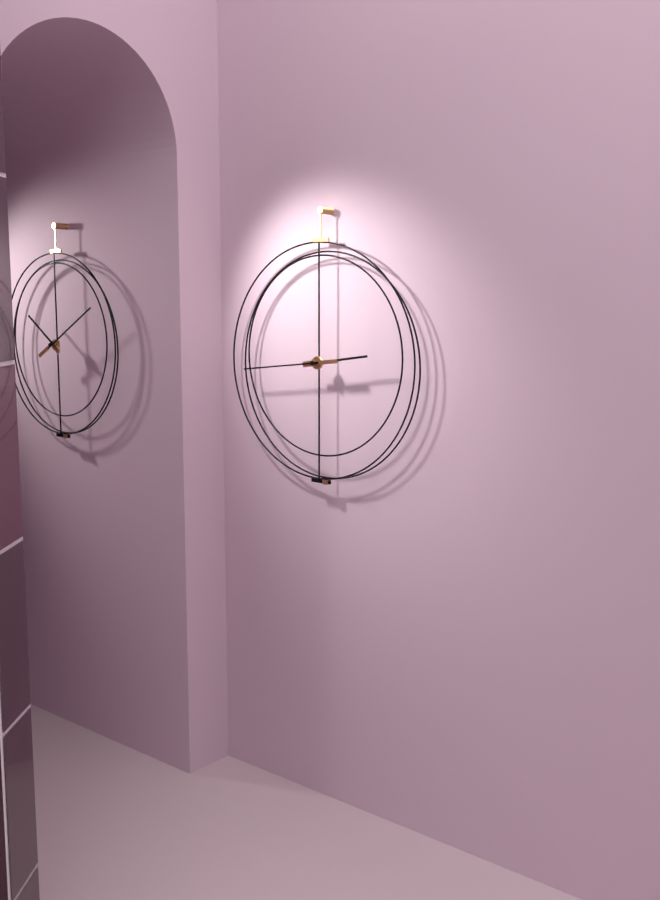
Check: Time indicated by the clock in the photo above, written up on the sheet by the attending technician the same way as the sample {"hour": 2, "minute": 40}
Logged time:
{"hour": 2, "minute": 44}
